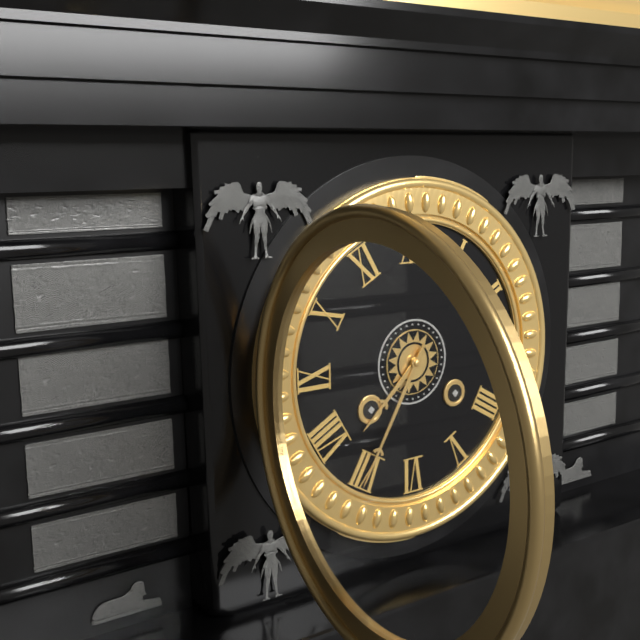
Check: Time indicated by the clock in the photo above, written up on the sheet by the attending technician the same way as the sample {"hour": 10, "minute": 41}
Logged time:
{"hour": 7, "minute": 35}
